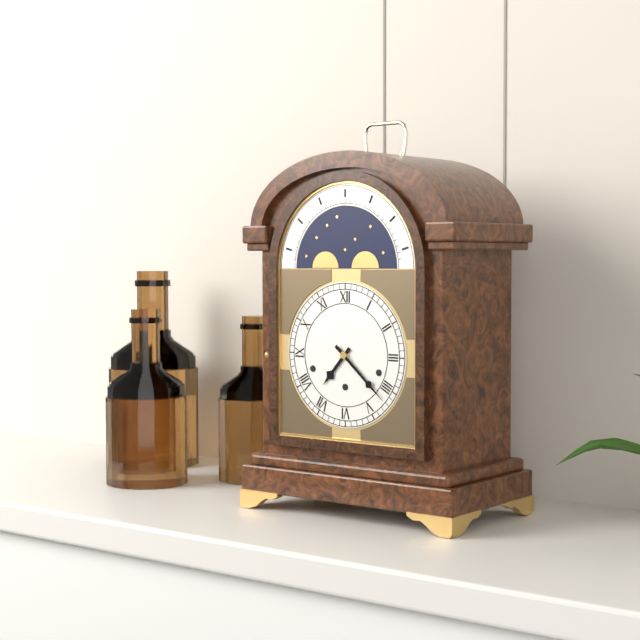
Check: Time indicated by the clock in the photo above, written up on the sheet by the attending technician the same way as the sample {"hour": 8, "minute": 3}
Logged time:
{"hour": 7, "minute": 22}
